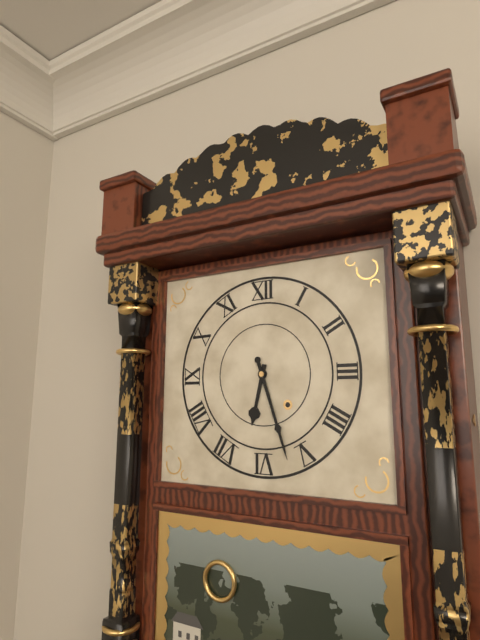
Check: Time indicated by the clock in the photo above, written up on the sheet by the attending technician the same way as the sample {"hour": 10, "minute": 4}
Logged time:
{"hour": 6, "minute": 27}
